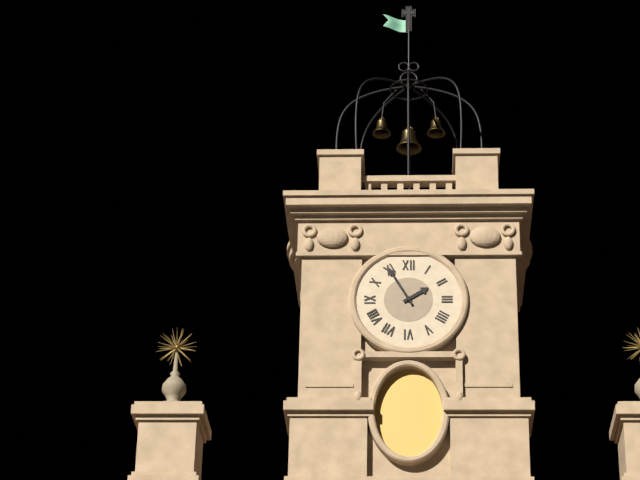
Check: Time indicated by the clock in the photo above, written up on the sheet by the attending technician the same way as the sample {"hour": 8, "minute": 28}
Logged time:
{"hour": 1, "minute": 55}
